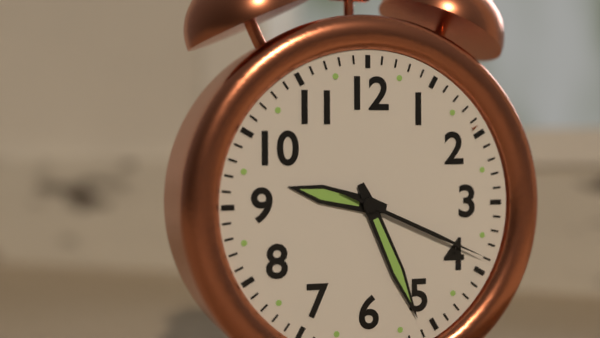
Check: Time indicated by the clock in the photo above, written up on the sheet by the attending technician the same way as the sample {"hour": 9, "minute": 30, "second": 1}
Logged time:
{"hour": 9, "minute": 26, "second": 19}
